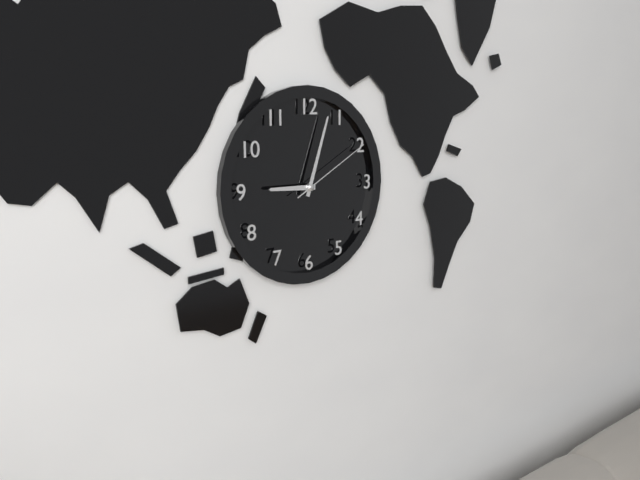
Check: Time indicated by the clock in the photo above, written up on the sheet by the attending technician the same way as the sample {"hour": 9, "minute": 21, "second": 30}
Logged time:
{"hour": 9, "minute": 3, "second": 10}
